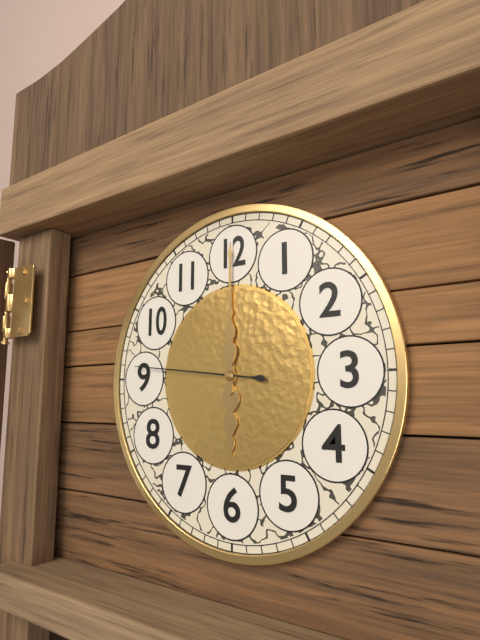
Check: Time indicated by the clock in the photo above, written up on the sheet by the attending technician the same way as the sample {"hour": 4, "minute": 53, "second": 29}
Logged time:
{"hour": 6, "minute": 0, "second": 46}
